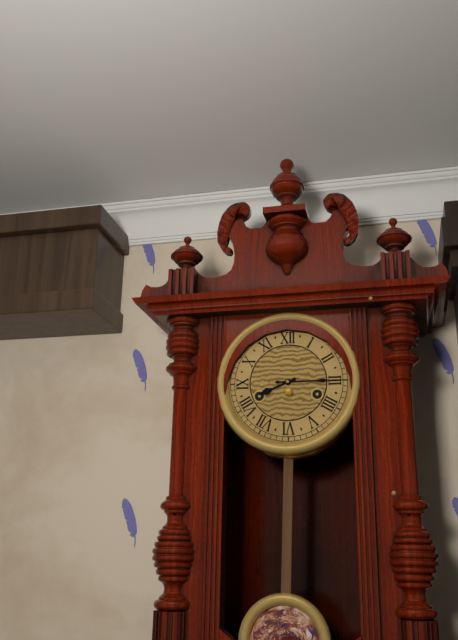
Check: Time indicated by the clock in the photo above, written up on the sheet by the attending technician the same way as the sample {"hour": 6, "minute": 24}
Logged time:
{"hour": 8, "minute": 15}
